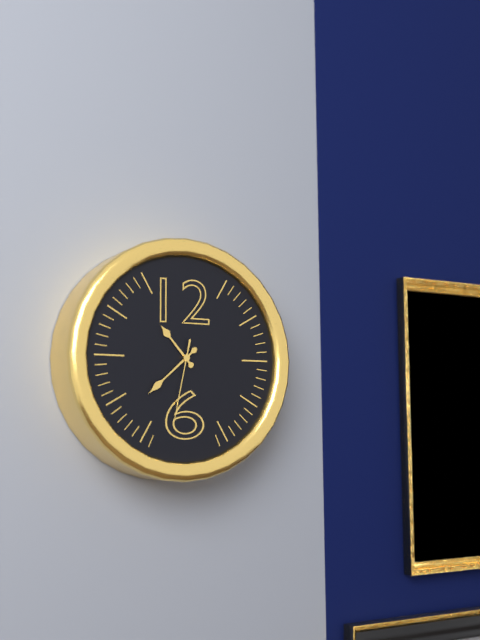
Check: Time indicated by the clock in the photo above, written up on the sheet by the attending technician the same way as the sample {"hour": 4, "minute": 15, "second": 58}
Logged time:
{"hour": 10, "minute": 38, "second": 32}
